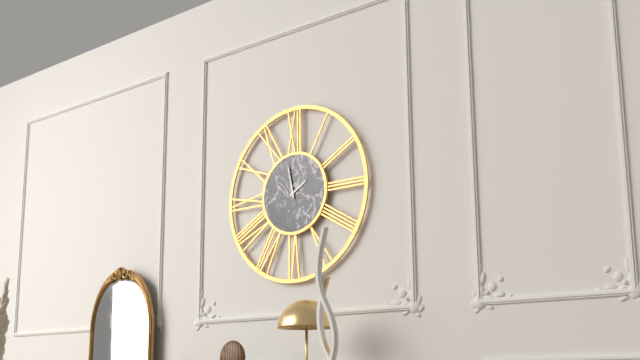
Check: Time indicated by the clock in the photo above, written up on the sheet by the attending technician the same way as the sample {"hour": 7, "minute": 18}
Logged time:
{"hour": 1, "minute": 58}
